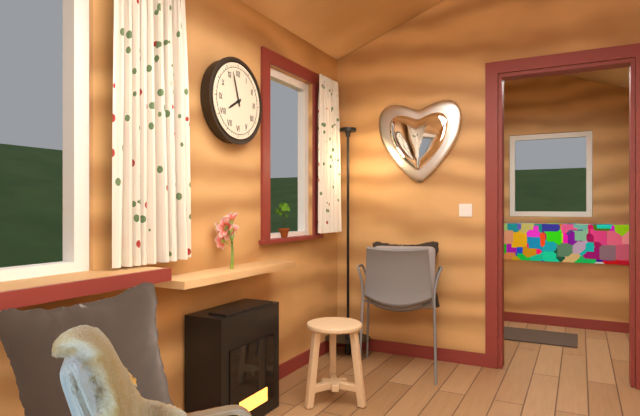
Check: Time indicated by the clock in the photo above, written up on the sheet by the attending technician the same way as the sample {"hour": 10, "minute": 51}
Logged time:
{"hour": 7, "minute": 57}
